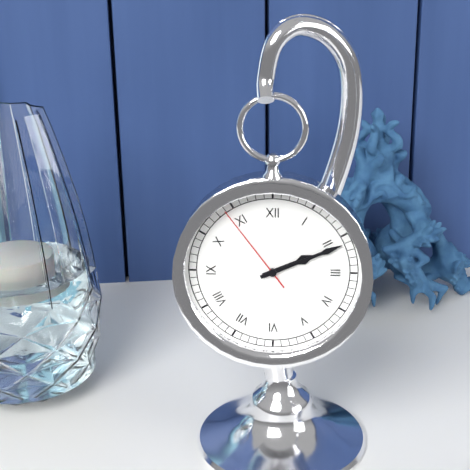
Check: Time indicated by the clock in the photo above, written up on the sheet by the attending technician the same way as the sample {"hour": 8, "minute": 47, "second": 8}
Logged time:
{"hour": 2, "minute": 11, "second": 54}
